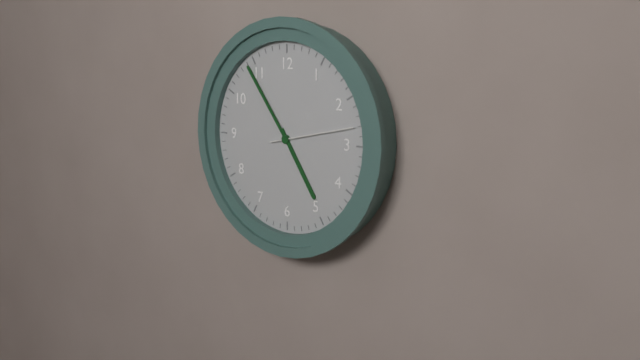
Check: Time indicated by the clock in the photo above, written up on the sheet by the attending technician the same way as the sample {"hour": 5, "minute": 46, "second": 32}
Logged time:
{"hour": 4, "minute": 54, "second": 13}
